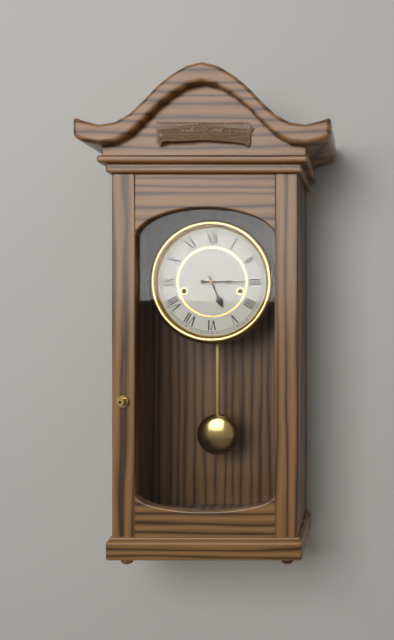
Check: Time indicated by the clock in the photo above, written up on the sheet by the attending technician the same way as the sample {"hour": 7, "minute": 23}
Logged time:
{"hour": 5, "minute": 15}
